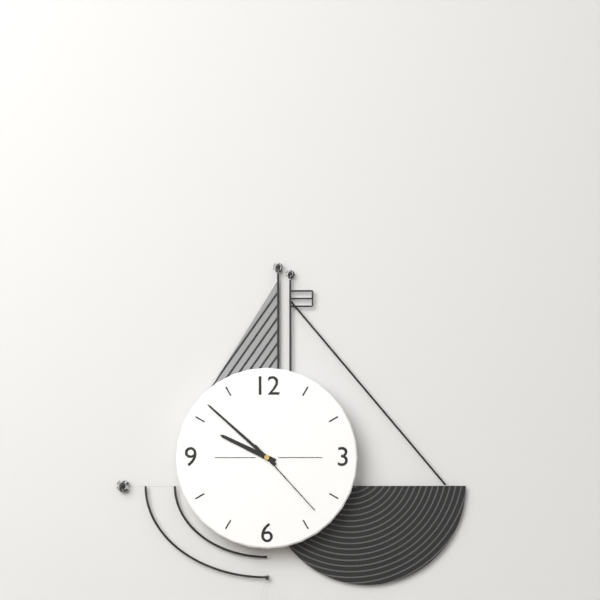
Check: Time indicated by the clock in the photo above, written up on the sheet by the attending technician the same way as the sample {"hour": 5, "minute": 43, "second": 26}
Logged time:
{"hour": 9, "minute": 52, "second": 23}
